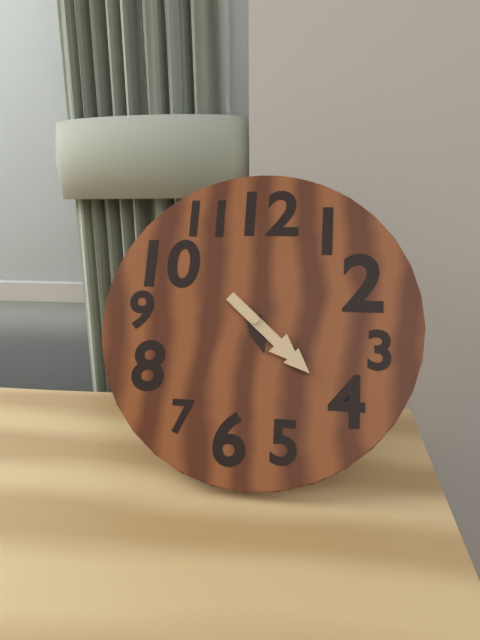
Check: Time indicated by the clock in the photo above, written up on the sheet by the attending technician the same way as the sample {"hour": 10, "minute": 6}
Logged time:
{"hour": 5, "minute": 22}
